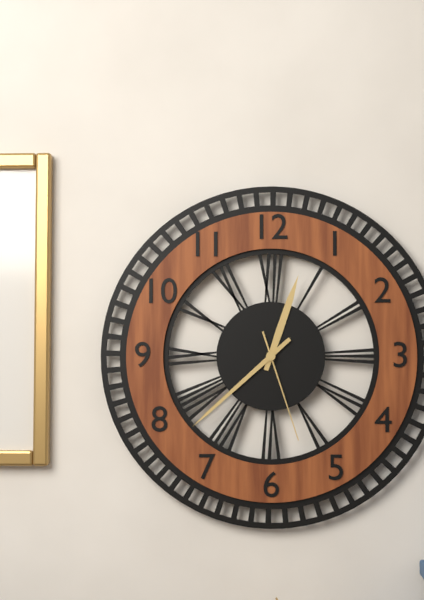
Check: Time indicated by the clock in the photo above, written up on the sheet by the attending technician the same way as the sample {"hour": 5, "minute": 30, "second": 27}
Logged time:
{"hour": 12, "minute": 38, "second": 27}
